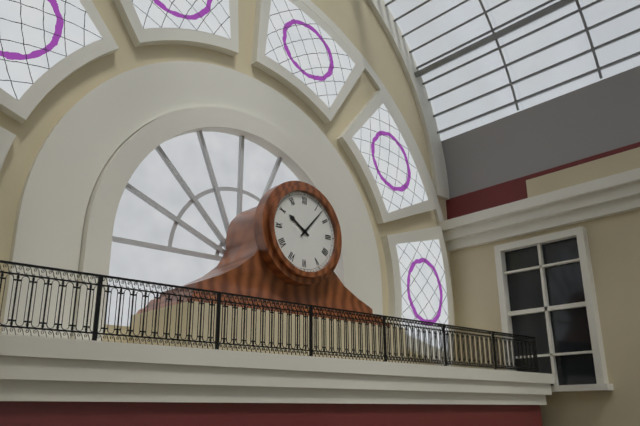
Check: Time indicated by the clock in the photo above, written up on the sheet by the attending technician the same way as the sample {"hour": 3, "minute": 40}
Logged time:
{"hour": 10, "minute": 7}
